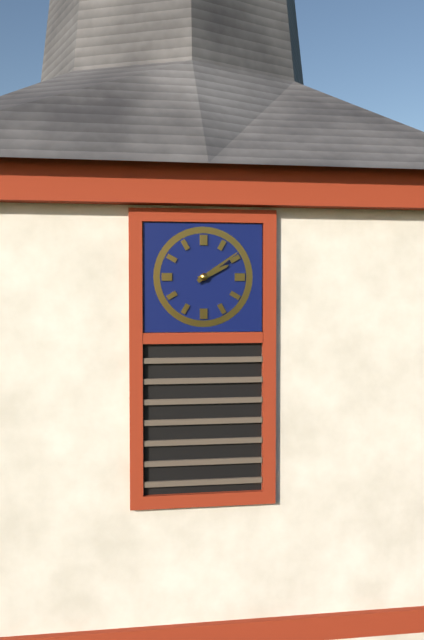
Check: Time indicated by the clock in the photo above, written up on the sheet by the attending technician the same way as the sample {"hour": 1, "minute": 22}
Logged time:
{"hour": 2, "minute": 9}
